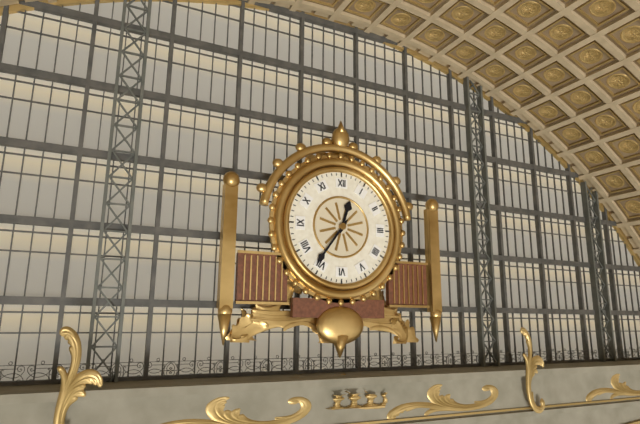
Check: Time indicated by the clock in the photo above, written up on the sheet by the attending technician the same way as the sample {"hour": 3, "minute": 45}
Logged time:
{"hour": 12, "minute": 36}
